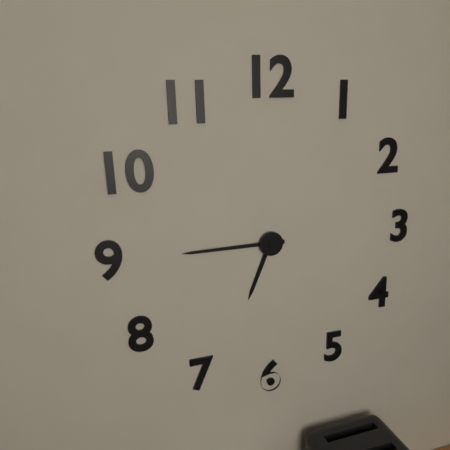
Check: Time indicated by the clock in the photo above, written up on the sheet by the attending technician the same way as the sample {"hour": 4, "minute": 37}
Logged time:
{"hour": 6, "minute": 45}
